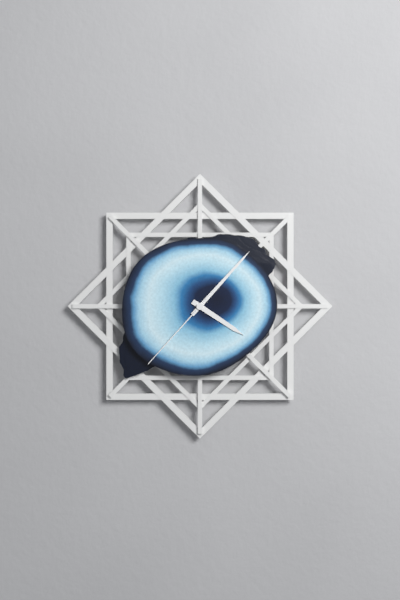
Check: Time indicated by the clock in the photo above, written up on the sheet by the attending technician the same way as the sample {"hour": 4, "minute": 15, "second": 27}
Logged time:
{"hour": 4, "minute": 7, "second": 37}
